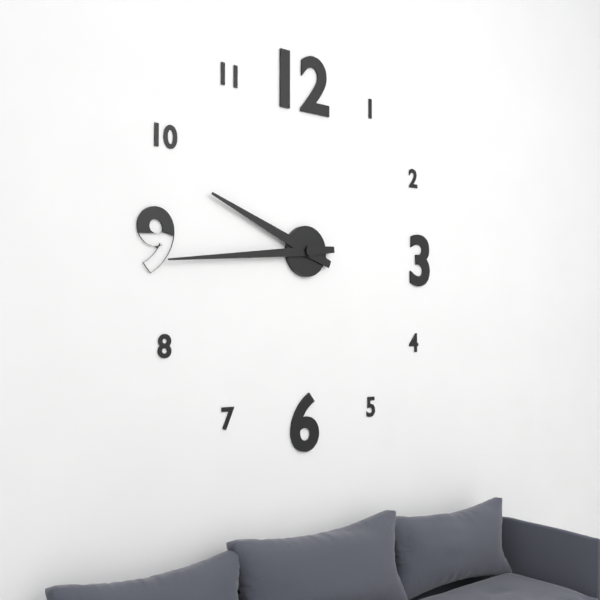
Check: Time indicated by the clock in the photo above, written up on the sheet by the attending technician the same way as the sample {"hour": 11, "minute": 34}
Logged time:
{"hour": 9, "minute": 44}
